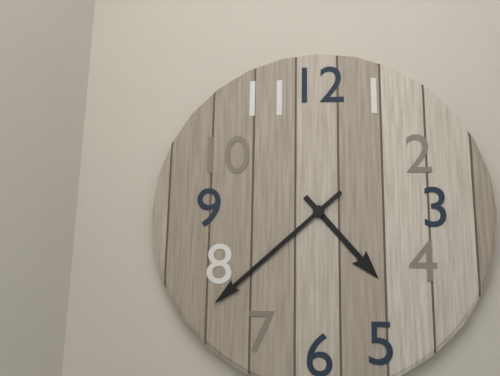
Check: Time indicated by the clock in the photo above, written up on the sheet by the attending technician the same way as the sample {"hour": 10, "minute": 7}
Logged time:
{"hour": 4, "minute": 38}
